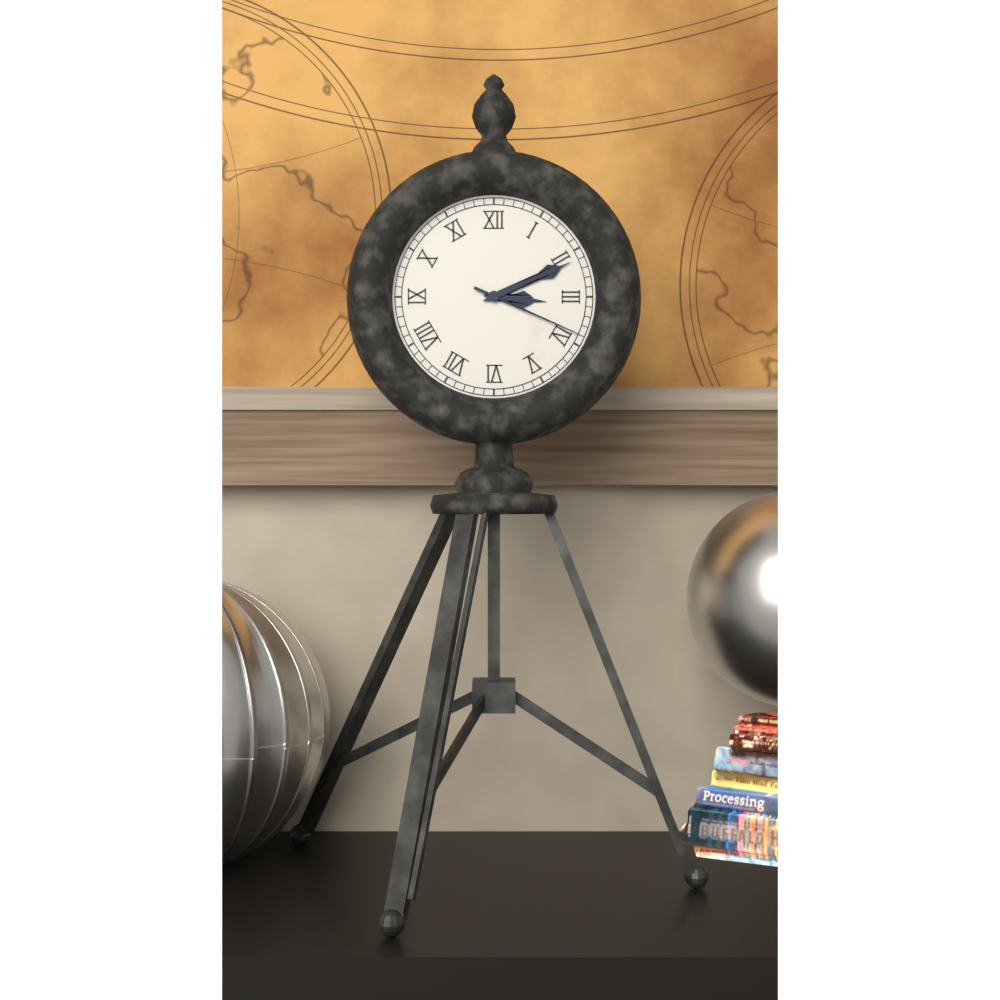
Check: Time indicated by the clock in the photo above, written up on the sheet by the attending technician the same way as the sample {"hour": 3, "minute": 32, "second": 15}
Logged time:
{"hour": 3, "minute": 11, "second": 19}
